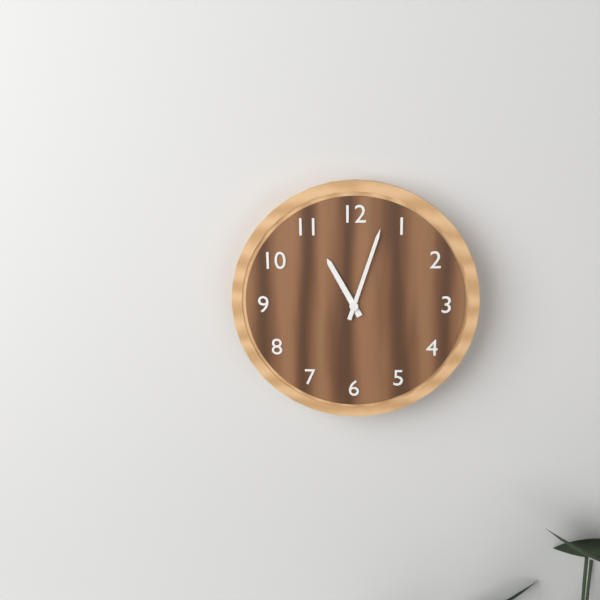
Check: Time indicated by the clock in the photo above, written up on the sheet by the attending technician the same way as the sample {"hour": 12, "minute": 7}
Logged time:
{"hour": 11, "minute": 3}
